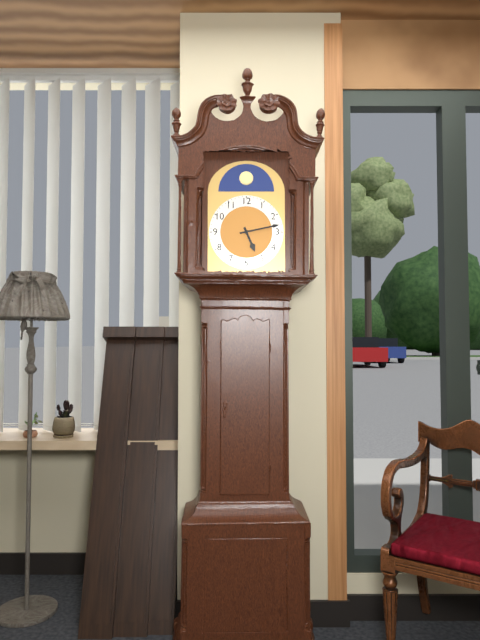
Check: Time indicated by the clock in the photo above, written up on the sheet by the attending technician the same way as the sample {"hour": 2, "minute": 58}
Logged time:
{"hour": 5, "minute": 13}
